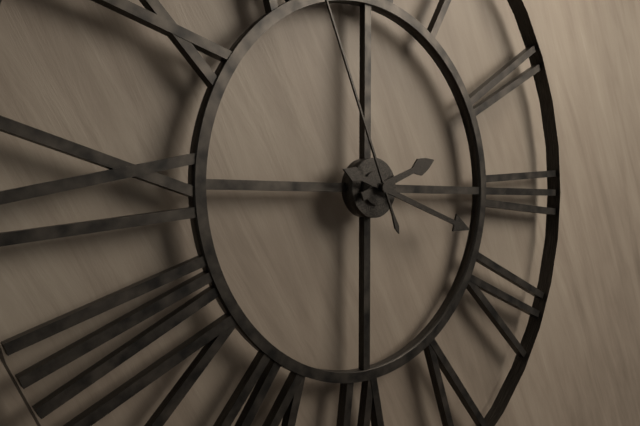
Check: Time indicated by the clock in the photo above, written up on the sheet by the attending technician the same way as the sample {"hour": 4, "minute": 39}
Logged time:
{"hour": 2, "minute": 18}
